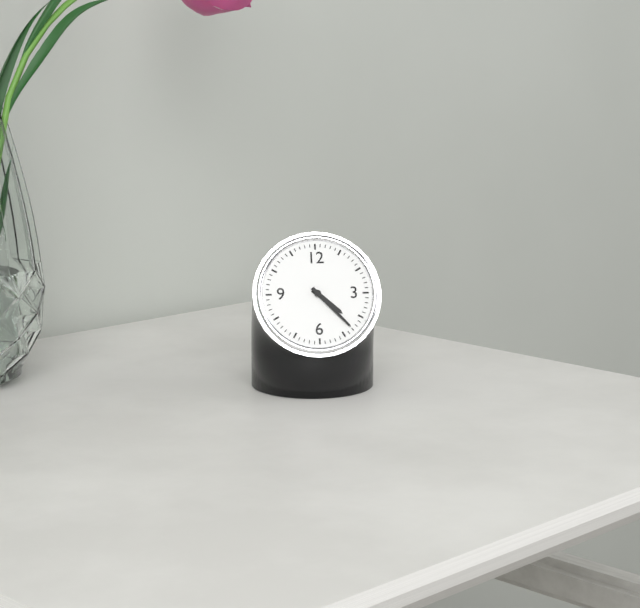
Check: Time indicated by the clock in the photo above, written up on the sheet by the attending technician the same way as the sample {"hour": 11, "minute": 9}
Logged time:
{"hour": 4, "minute": 23}
